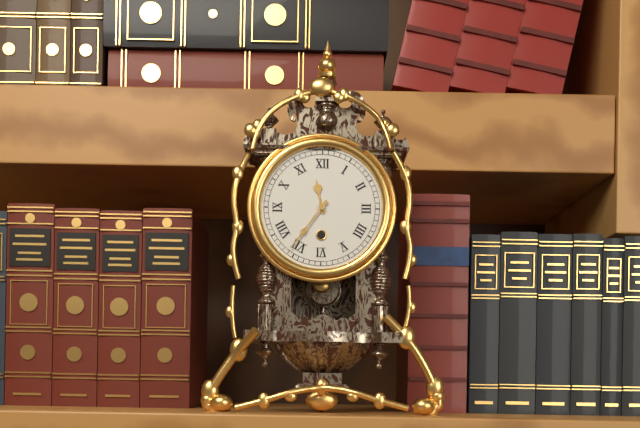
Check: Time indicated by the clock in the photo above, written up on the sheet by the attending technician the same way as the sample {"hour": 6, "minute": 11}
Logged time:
{"hour": 11, "minute": 36}
